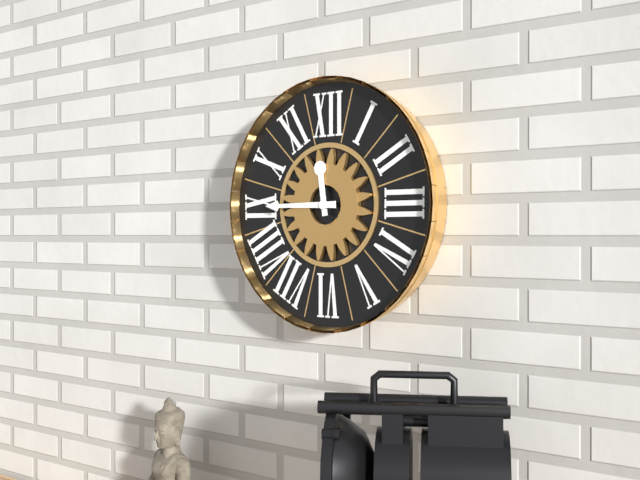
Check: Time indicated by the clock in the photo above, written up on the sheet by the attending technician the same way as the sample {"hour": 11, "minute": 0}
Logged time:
{"hour": 11, "minute": 45}
